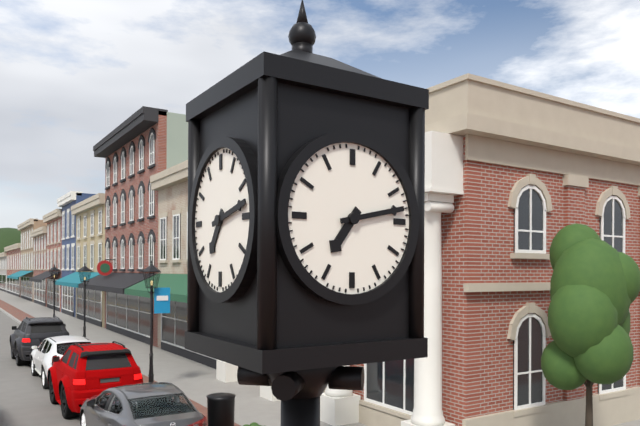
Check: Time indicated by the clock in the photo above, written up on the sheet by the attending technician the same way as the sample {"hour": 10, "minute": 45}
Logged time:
{"hour": 7, "minute": 13}
